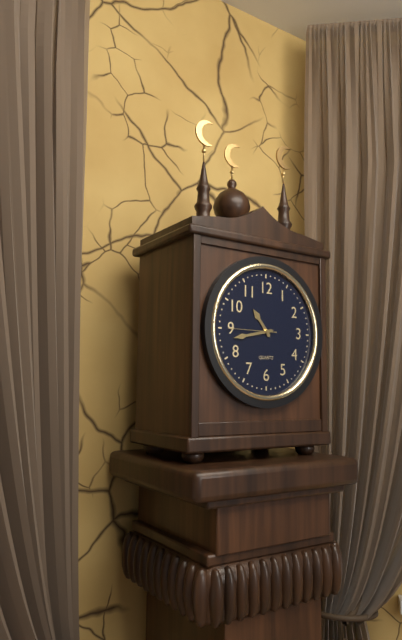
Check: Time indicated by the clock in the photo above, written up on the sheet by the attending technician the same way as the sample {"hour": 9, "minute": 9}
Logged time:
{"hour": 10, "minute": 43}
